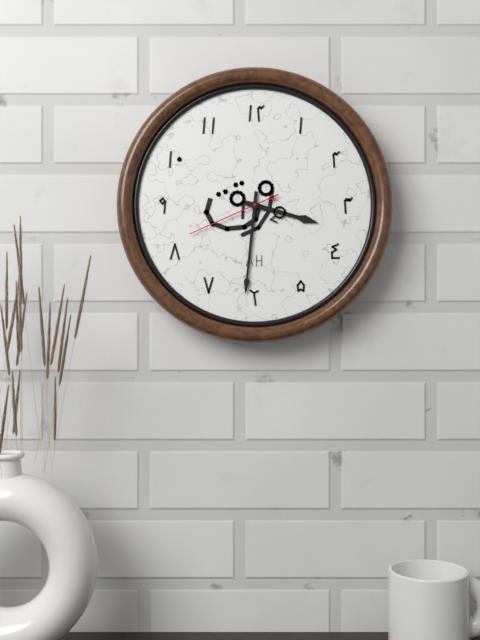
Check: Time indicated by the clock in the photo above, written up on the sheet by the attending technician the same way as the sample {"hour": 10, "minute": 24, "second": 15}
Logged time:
{"hour": 3, "minute": 31, "second": 41}
